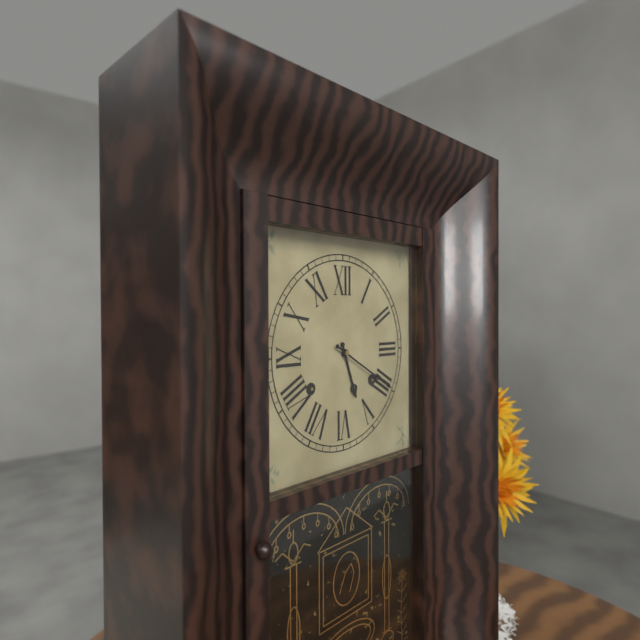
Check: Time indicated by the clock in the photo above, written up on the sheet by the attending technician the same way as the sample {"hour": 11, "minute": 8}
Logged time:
{"hour": 5, "minute": 20}
